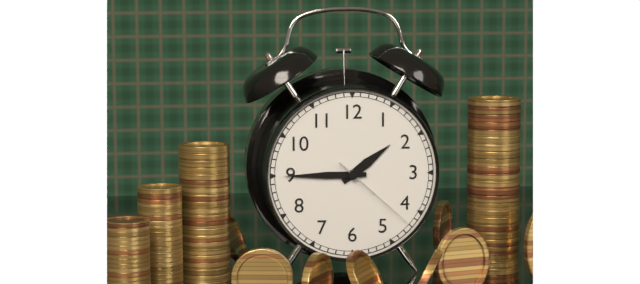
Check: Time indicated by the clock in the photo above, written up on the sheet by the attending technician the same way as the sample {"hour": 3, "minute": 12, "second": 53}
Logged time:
{"hour": 1, "minute": 45, "second": 22}
